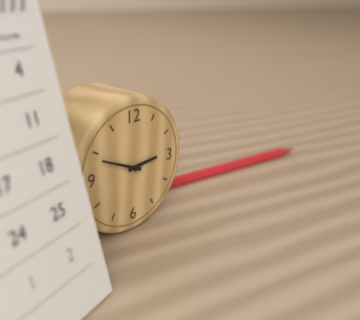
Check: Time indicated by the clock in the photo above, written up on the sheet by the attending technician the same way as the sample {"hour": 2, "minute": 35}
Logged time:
{"hour": 2, "minute": 49}
